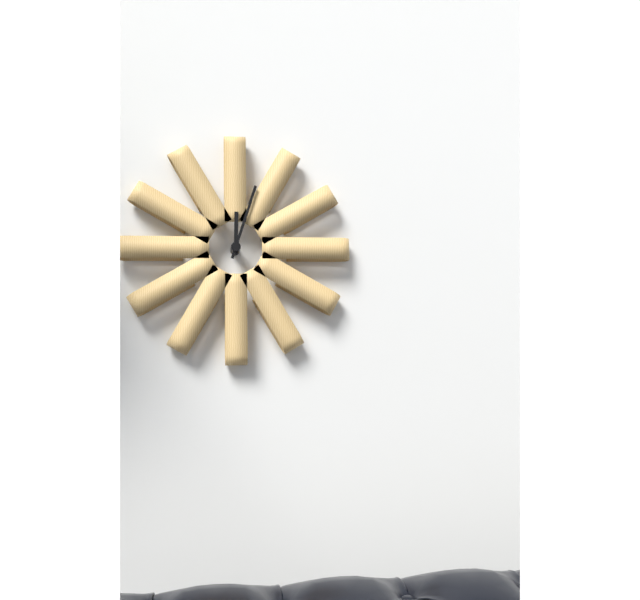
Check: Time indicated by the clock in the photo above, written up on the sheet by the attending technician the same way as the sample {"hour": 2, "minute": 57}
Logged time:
{"hour": 12, "minute": 3}
